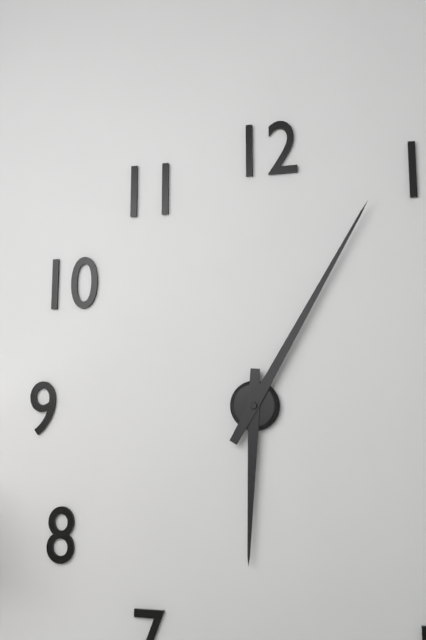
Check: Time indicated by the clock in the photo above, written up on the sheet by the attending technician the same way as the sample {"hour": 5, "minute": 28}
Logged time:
{"hour": 6, "minute": 5}
